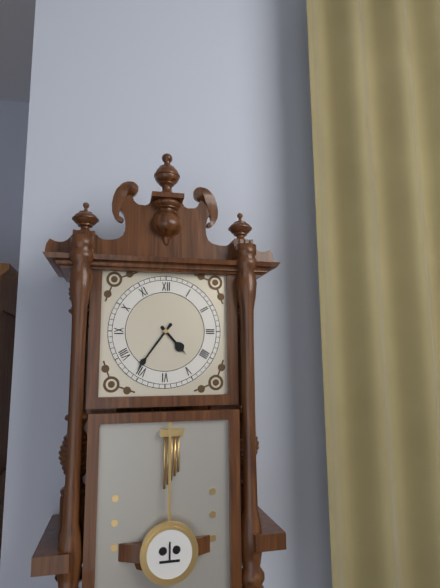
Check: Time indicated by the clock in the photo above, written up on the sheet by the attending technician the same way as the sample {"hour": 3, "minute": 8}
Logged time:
{"hour": 4, "minute": 36}
